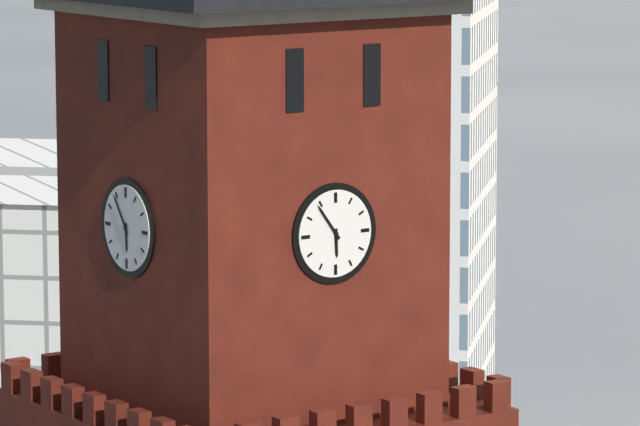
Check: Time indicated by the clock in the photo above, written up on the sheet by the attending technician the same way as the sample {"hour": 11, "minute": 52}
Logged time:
{"hour": 5, "minute": 54}
